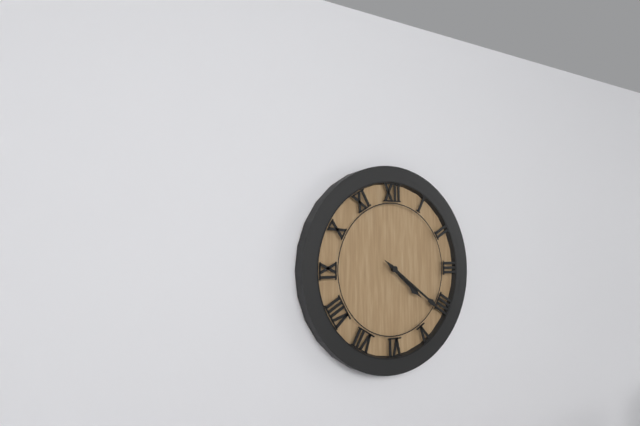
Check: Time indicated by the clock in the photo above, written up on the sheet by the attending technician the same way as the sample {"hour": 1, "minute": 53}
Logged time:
{"hour": 4, "minute": 21}
